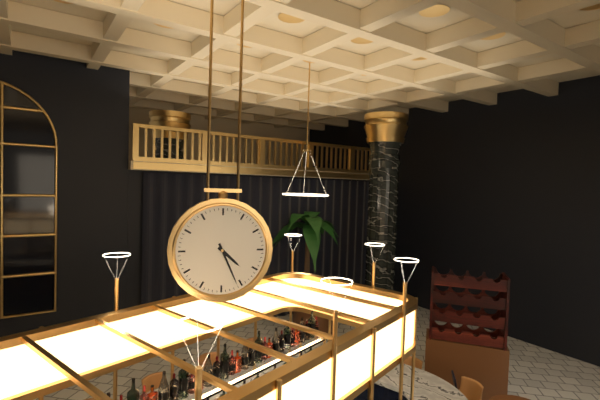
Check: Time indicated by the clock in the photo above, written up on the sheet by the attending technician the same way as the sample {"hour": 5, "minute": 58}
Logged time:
{"hour": 4, "minute": 26}
